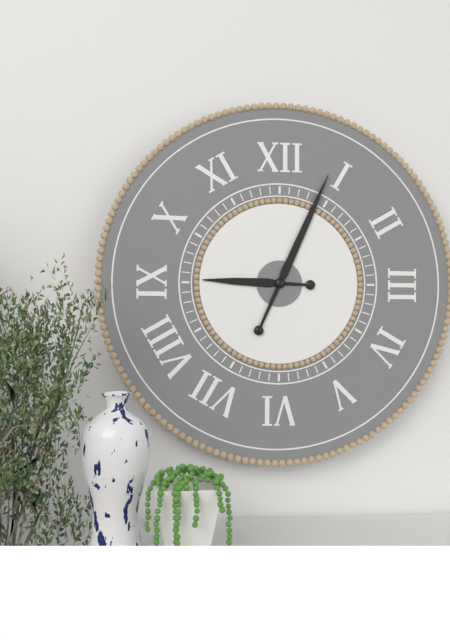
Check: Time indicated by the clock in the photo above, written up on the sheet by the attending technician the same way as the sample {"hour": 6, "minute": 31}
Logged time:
{"hour": 9, "minute": 4}
